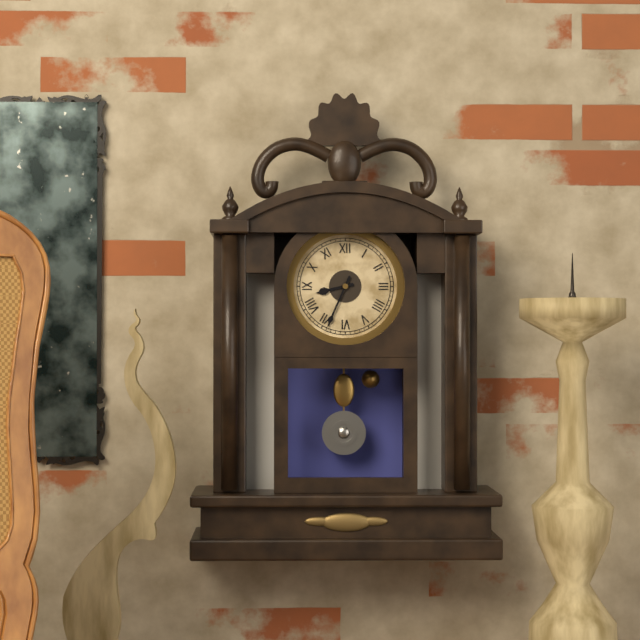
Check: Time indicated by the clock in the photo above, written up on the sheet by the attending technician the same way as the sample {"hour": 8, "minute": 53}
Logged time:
{"hour": 8, "minute": 34}
